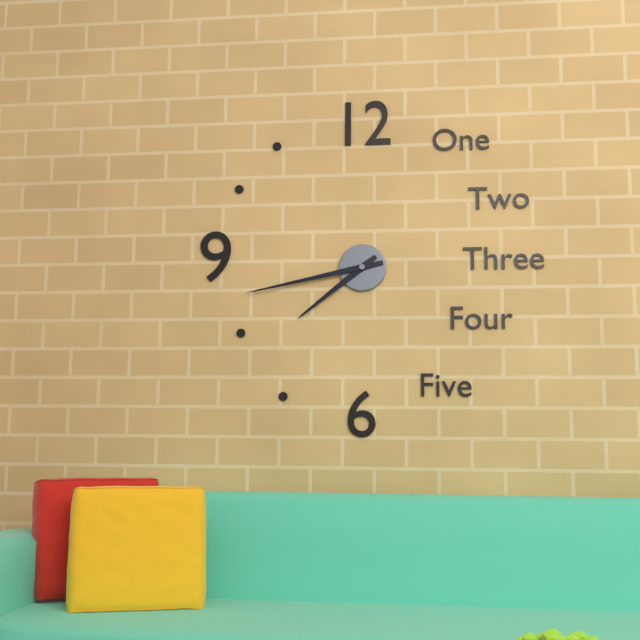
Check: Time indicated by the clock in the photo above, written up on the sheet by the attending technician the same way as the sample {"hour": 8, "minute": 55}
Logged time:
{"hour": 7, "minute": 43}
